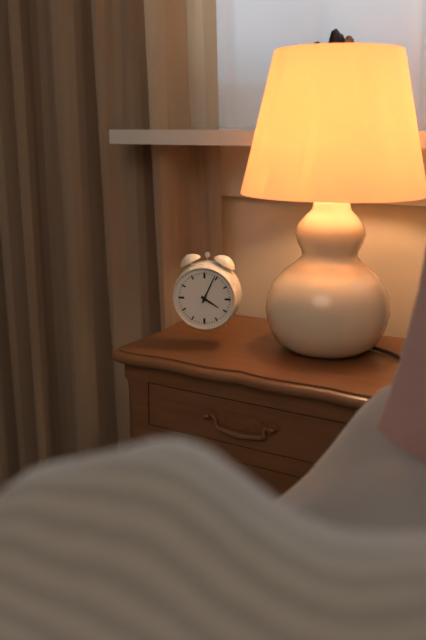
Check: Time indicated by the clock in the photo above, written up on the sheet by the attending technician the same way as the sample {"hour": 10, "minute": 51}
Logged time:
{"hour": 4, "minute": 4}
